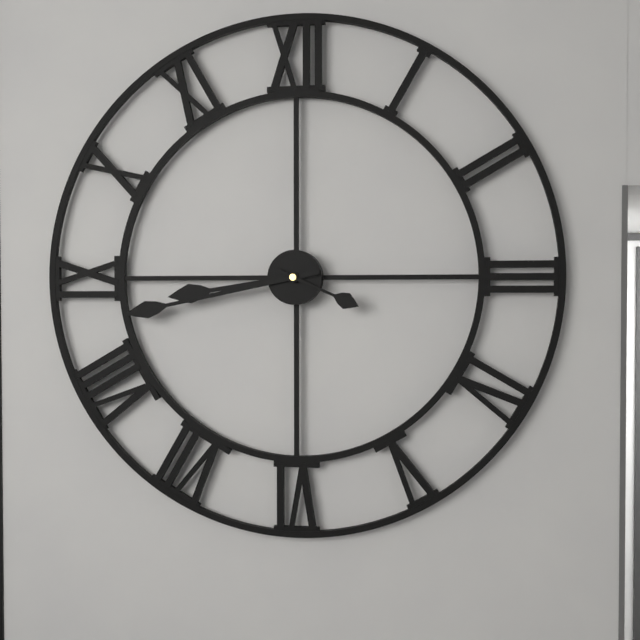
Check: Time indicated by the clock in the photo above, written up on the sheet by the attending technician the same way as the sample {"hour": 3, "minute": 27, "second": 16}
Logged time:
{"hour": 8, "minute": 43, "second": 19}
